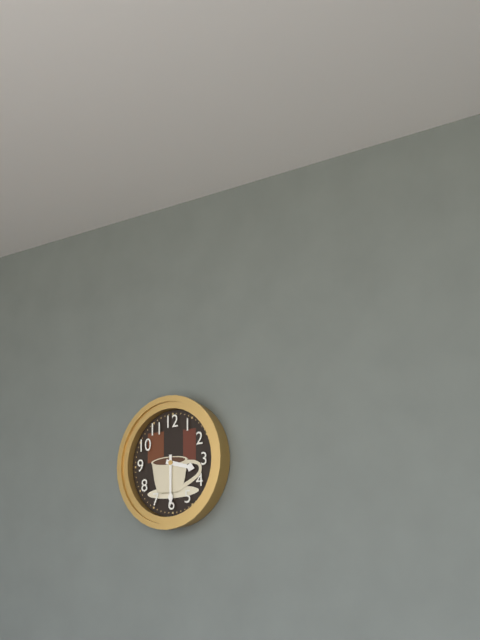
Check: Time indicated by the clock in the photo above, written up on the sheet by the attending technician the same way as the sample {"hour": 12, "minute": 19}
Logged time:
{"hour": 3, "minute": 30}
